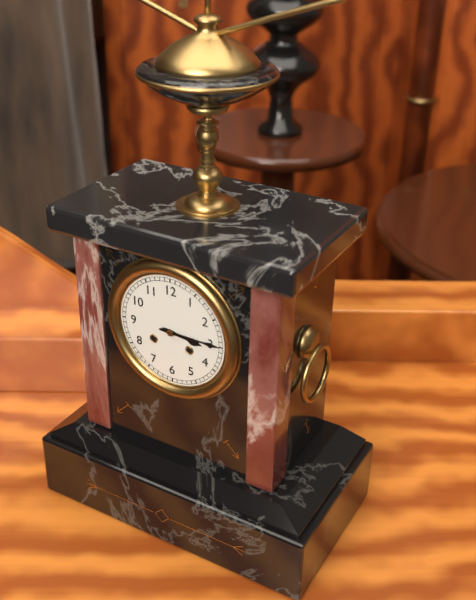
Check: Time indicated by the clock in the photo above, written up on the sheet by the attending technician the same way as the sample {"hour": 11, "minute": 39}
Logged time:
{"hour": 3, "minute": 15}
